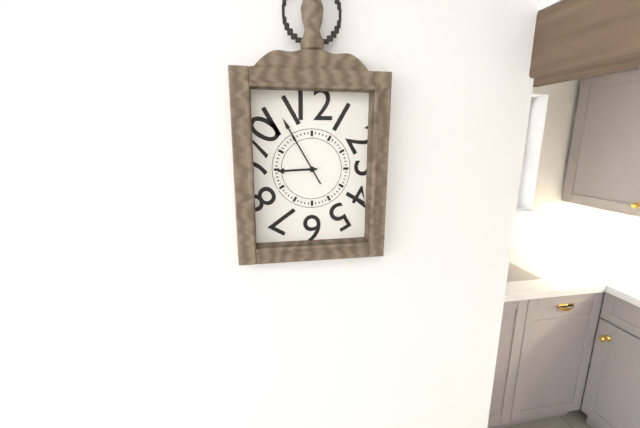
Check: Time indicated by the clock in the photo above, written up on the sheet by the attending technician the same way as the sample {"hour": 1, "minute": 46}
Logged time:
{"hour": 8, "minute": 55}
